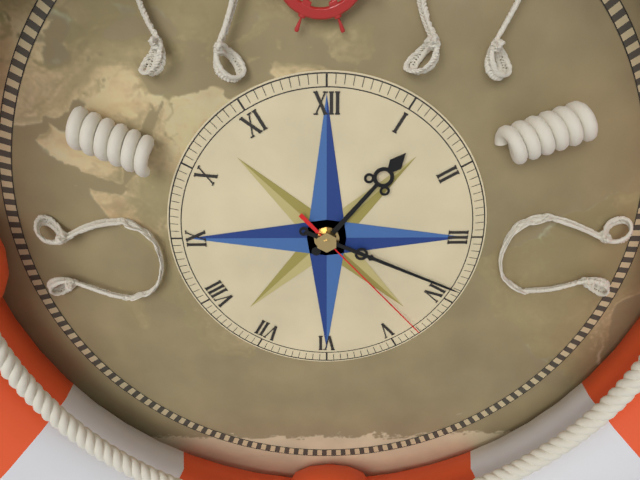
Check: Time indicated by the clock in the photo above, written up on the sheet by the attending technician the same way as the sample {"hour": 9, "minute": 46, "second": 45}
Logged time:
{"hour": 1, "minute": 19, "second": 23}
